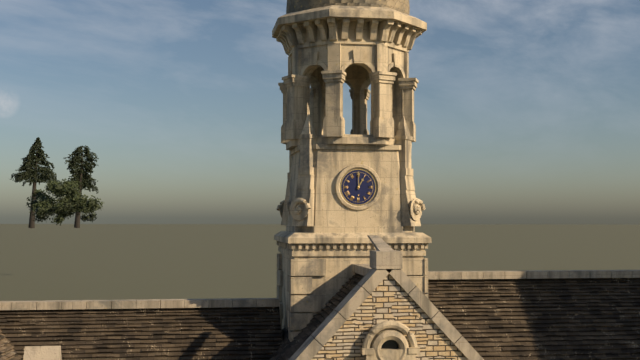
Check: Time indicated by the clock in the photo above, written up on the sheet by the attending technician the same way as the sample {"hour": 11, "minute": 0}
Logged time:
{"hour": 1, "minute": 0}
